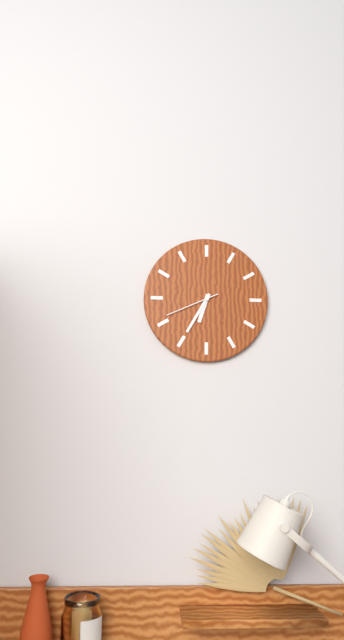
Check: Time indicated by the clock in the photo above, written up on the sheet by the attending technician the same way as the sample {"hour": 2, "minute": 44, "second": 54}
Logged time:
{"hour": 6, "minute": 35, "second": 41}
